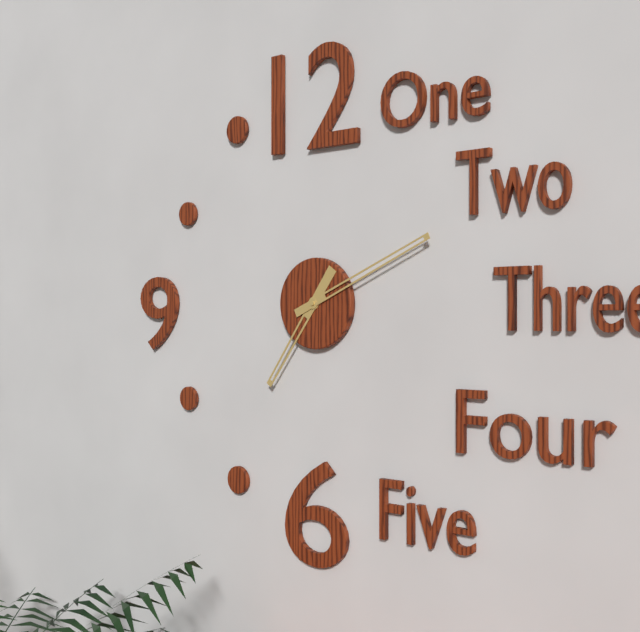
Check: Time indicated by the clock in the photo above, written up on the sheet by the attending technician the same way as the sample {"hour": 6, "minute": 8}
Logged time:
{"hour": 7, "minute": 11}
